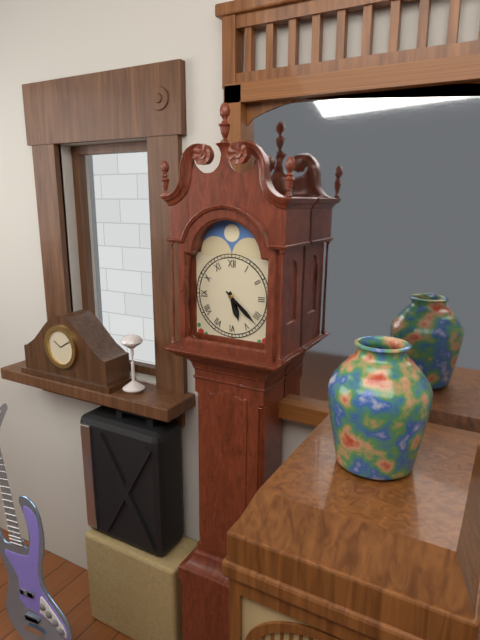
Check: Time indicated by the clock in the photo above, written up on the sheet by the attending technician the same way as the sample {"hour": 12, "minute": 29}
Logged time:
{"hour": 5, "minute": 22}
